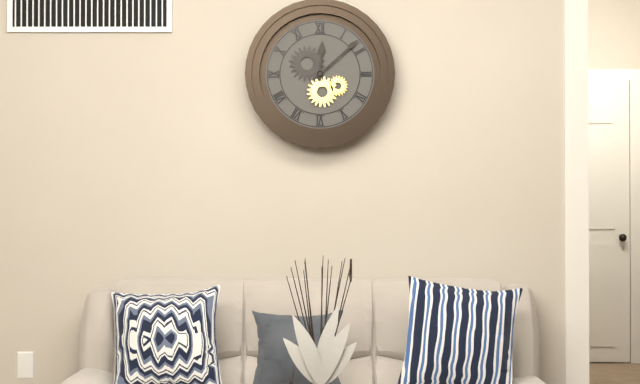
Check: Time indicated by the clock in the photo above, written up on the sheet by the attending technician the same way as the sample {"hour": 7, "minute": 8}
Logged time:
{"hour": 12, "minute": 8}
